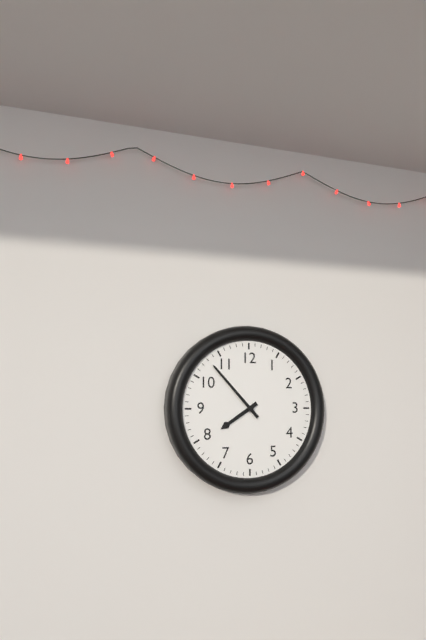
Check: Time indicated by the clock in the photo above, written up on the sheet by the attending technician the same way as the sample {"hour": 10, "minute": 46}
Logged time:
{"hour": 7, "minute": 53}
